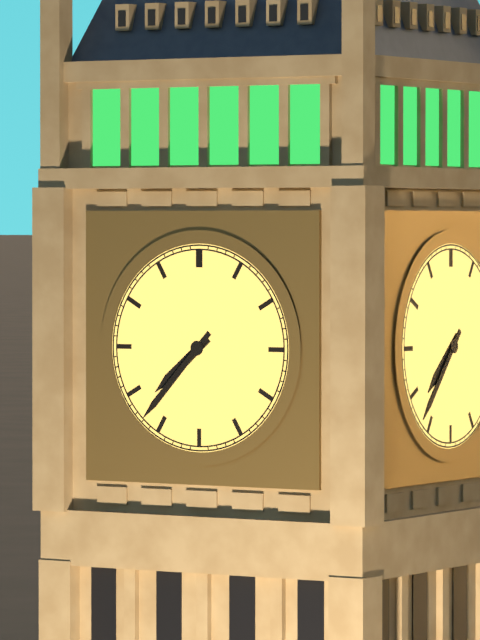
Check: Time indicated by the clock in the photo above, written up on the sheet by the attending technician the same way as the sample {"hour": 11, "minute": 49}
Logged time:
{"hour": 7, "minute": 37}
